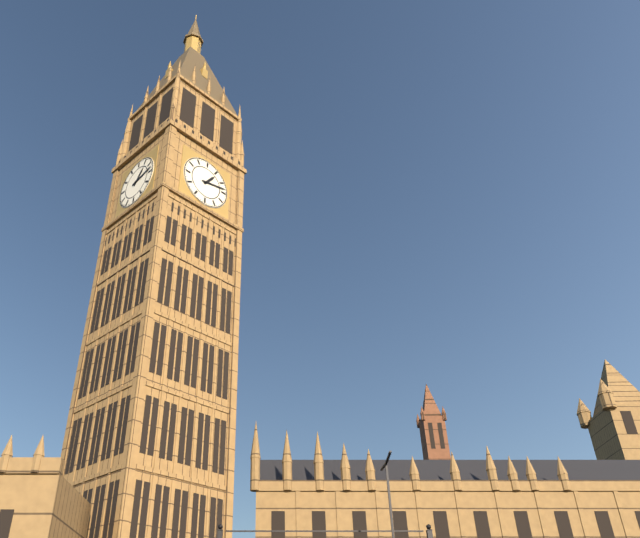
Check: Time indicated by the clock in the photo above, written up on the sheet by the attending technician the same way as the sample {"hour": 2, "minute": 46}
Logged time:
{"hour": 1, "minute": 13}
